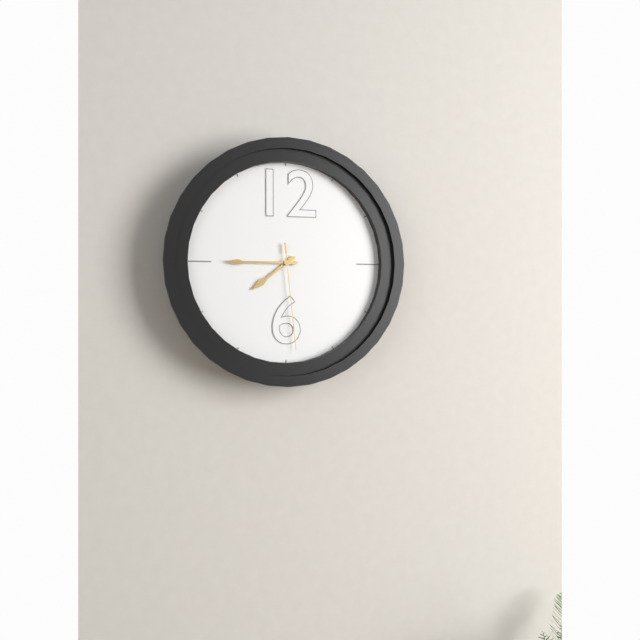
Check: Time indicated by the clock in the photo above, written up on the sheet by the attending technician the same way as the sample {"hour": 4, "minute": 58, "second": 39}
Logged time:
{"hour": 7, "minute": 45, "second": 29}
